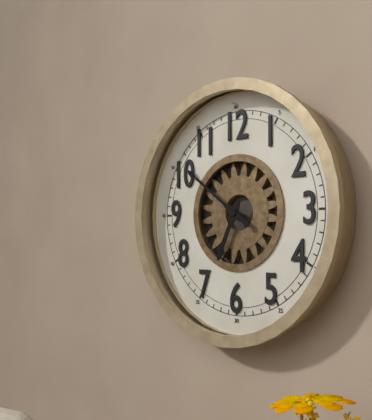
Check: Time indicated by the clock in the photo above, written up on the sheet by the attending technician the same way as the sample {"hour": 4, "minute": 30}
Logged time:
{"hour": 6, "minute": 51}
